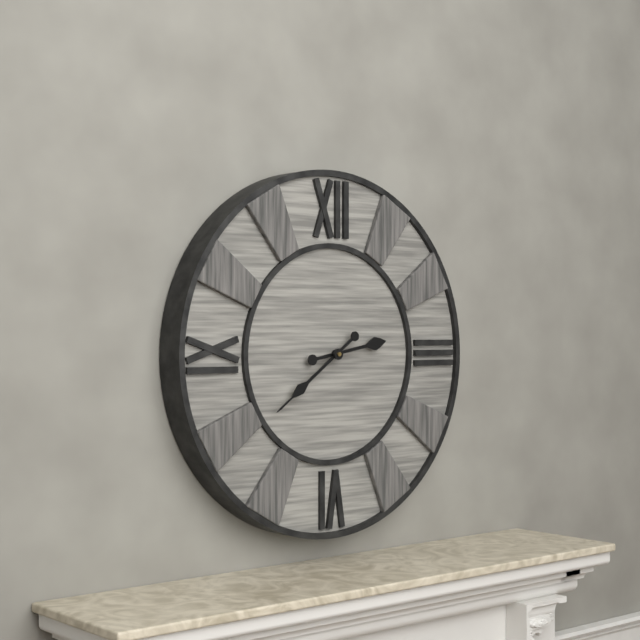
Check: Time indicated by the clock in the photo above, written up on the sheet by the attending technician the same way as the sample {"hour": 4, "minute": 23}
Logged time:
{"hour": 2, "minute": 39}
